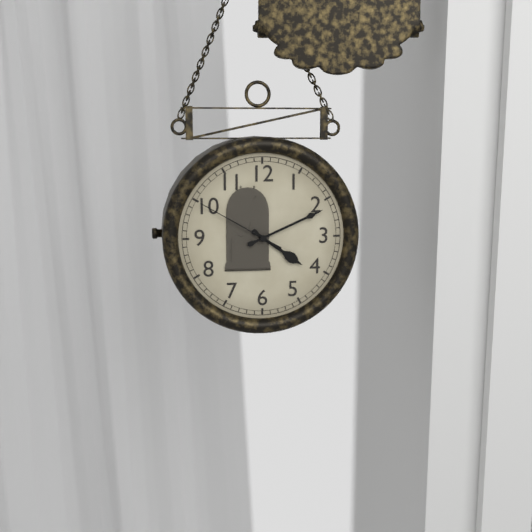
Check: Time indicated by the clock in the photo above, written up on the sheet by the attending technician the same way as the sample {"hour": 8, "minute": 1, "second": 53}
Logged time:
{"hour": 4, "minute": 11, "second": 50}
